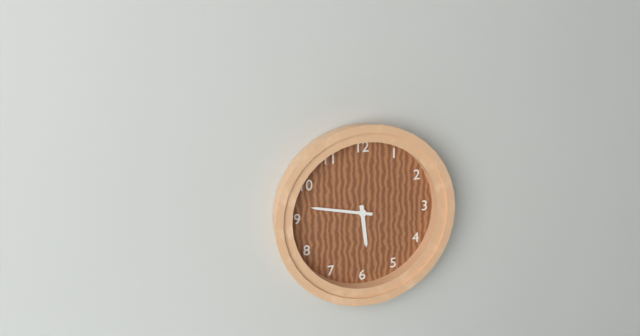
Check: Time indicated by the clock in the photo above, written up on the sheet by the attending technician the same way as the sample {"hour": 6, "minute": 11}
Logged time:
{"hour": 5, "minute": 47}
